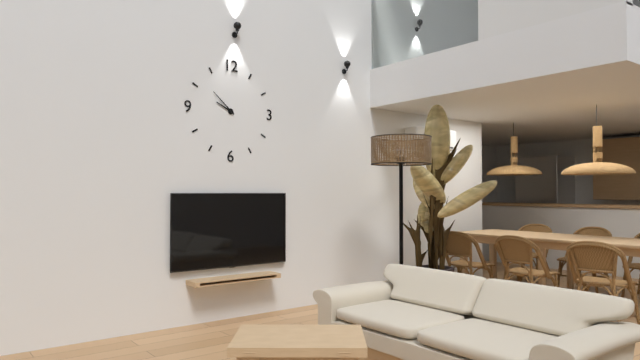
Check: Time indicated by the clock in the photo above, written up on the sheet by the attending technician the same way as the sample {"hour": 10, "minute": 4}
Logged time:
{"hour": 9, "minute": 52}
